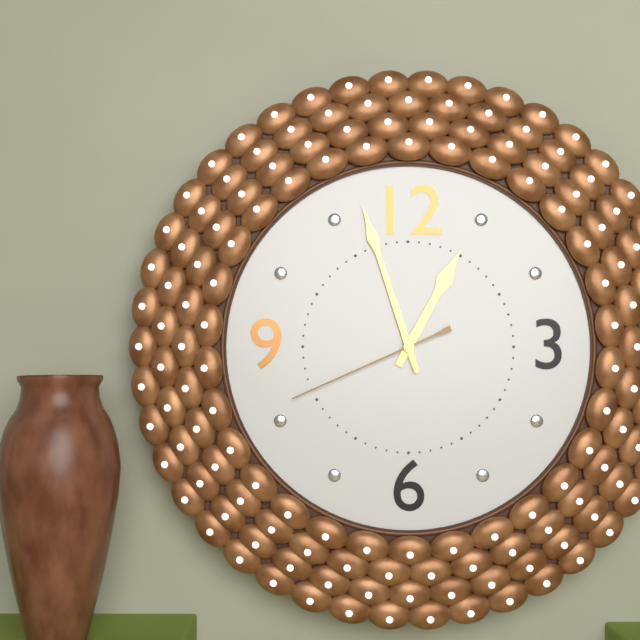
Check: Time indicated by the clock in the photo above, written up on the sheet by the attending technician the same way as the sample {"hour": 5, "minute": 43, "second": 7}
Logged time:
{"hour": 12, "minute": 57, "second": 41}
